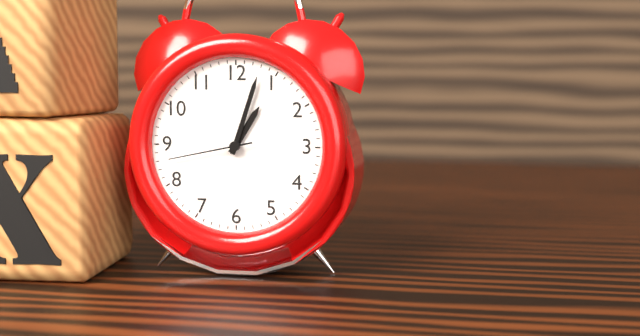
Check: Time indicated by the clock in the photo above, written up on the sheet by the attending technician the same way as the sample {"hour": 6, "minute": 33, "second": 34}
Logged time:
{"hour": 1, "minute": 3, "second": 43}
